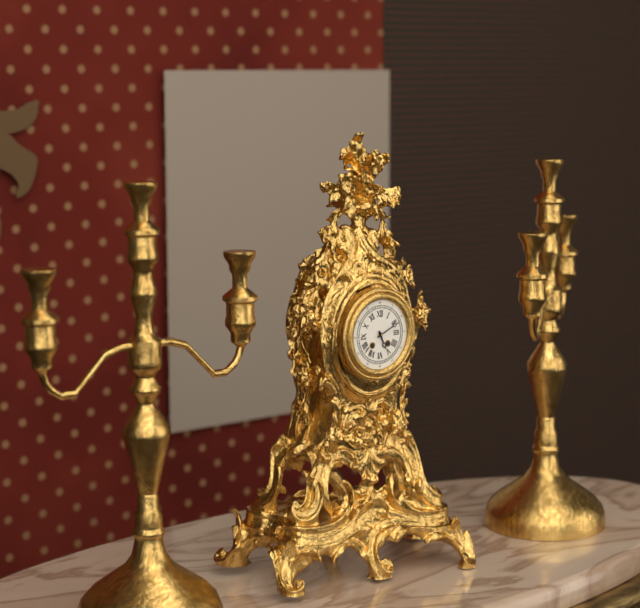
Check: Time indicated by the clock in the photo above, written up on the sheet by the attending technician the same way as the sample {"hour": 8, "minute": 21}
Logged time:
{"hour": 5, "minute": 11}
